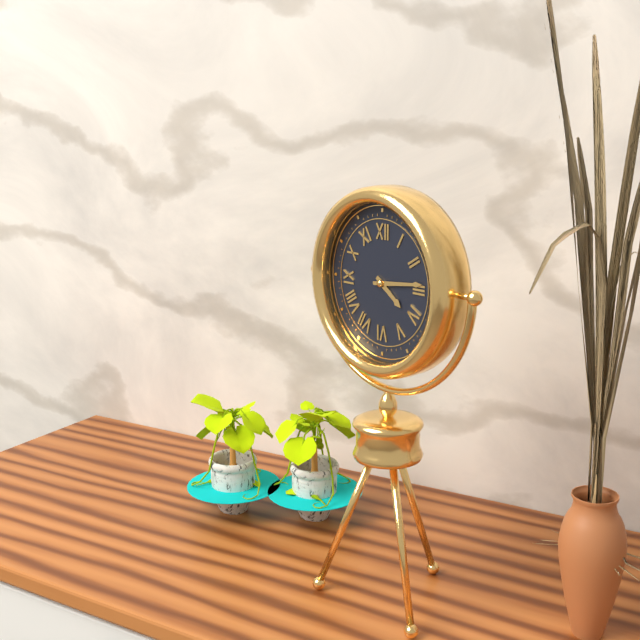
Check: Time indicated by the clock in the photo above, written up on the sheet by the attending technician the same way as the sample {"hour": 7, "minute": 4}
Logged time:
{"hour": 4, "minute": 14}
